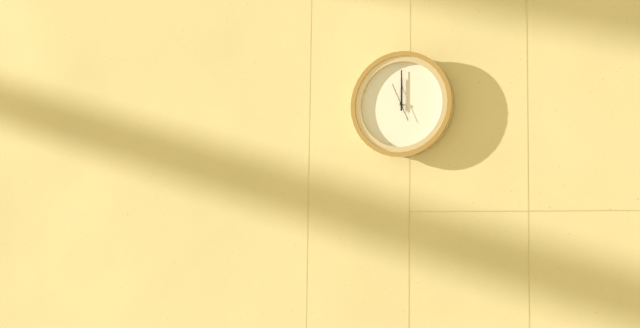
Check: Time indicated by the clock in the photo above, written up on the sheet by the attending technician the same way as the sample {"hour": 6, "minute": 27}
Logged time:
{"hour": 12, "minute": 0}
